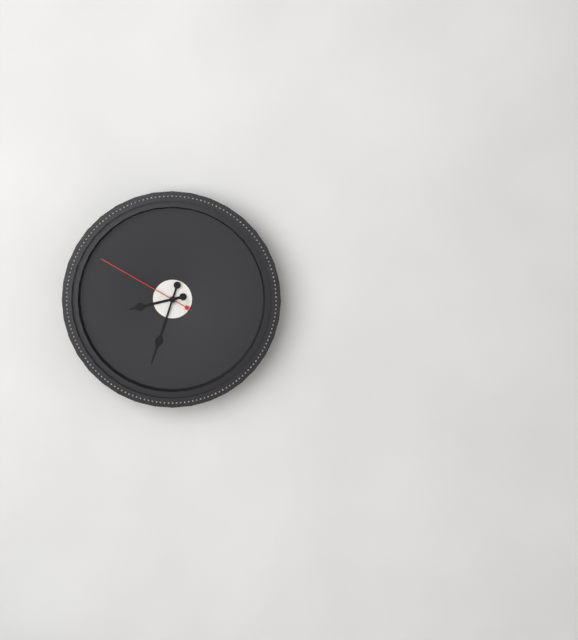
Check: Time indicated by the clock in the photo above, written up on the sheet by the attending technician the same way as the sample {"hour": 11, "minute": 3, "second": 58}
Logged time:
{"hour": 8, "minute": 33, "second": 50}
